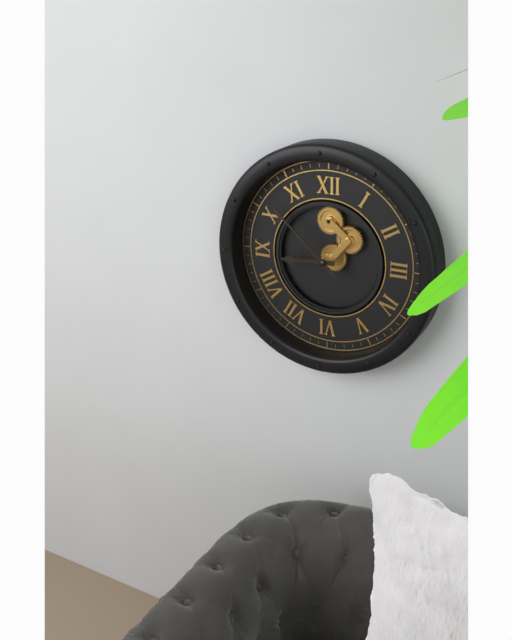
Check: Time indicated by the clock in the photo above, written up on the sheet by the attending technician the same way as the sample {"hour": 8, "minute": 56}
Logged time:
{"hour": 8, "minute": 52}
